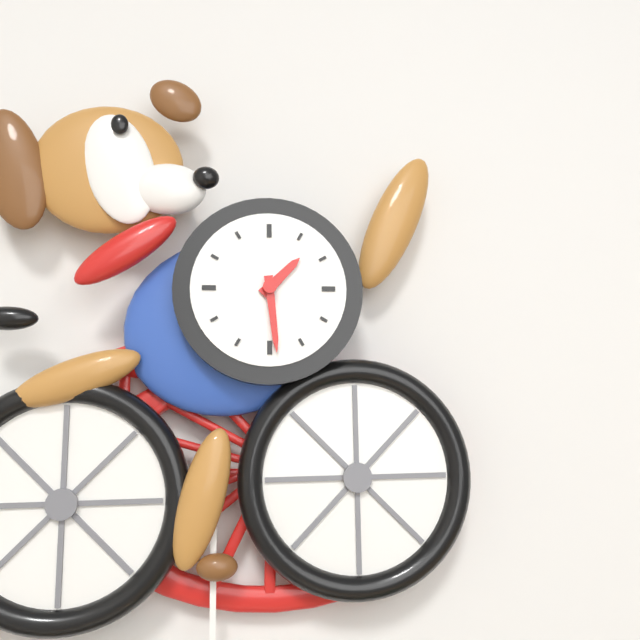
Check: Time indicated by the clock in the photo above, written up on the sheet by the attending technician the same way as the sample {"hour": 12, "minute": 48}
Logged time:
{"hour": 1, "minute": 29}
